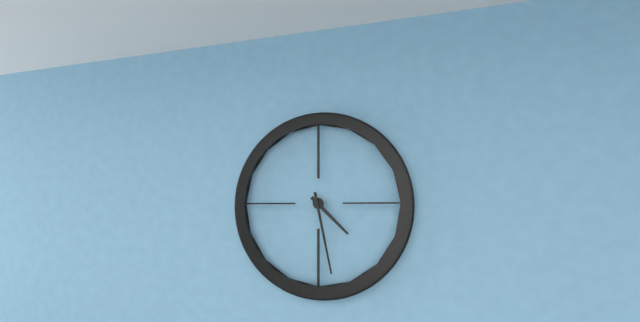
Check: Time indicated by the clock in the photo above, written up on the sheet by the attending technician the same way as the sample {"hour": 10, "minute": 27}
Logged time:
{"hour": 4, "minute": 28}
